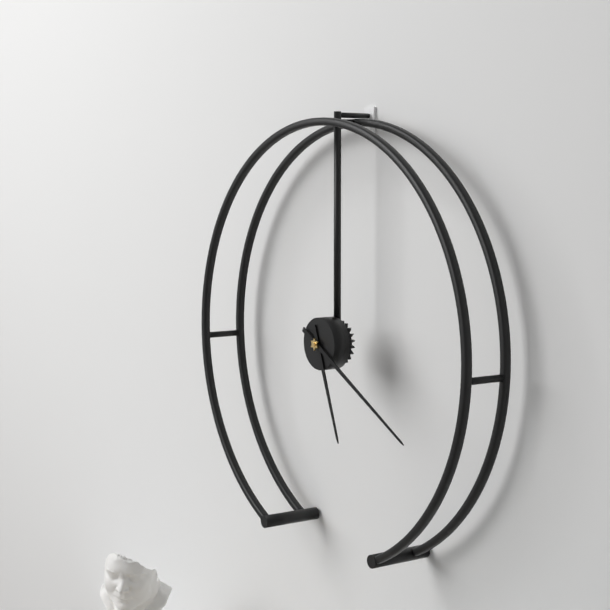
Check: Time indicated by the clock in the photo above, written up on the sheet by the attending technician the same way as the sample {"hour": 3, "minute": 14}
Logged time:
{"hour": 5, "minute": 20}
